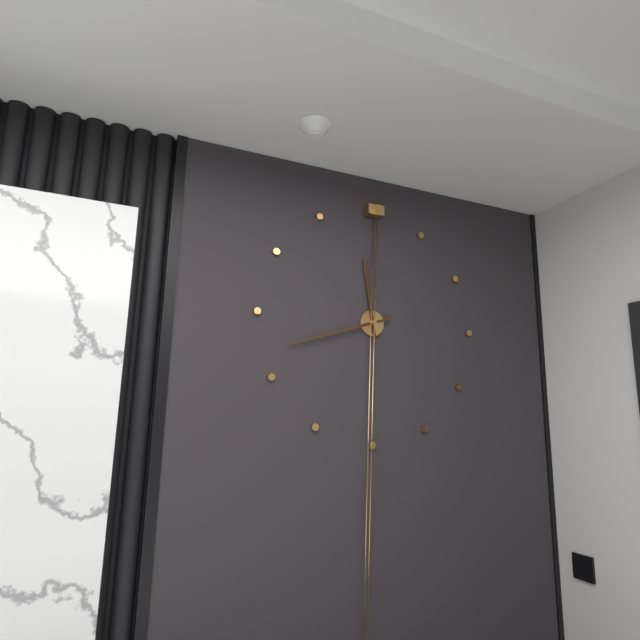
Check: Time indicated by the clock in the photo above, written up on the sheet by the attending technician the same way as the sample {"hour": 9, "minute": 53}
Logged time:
{"hour": 11, "minute": 42}
